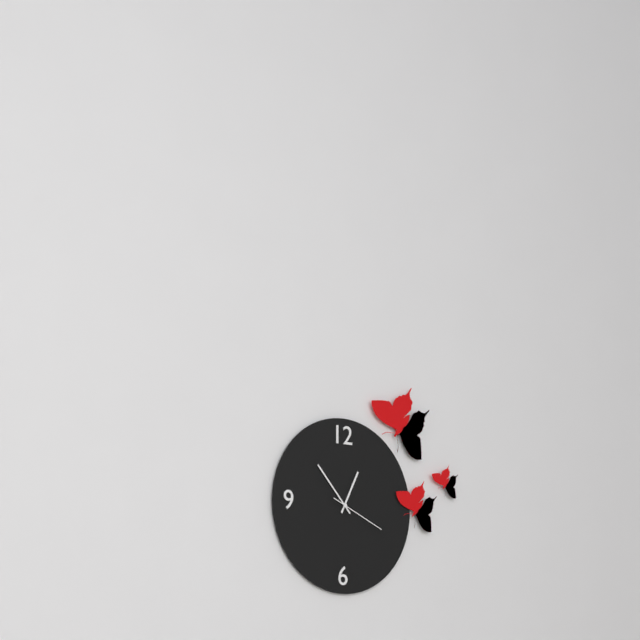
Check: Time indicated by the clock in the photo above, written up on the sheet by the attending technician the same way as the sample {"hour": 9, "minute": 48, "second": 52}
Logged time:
{"hour": 12, "minute": 53, "second": 19}
